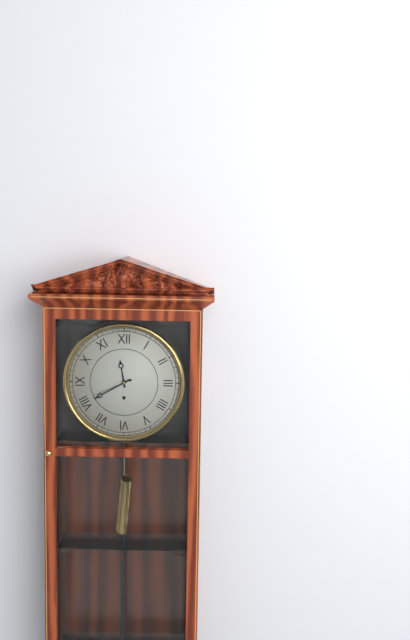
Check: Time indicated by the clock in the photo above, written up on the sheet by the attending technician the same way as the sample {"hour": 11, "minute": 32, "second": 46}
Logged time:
{"hour": 11, "minute": 40, "second": 41}
